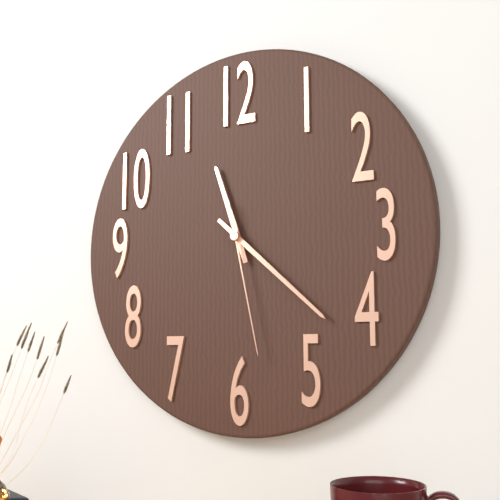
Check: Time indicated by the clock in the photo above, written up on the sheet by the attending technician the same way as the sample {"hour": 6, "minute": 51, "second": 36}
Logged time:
{"hour": 11, "minute": 22, "second": 28}
